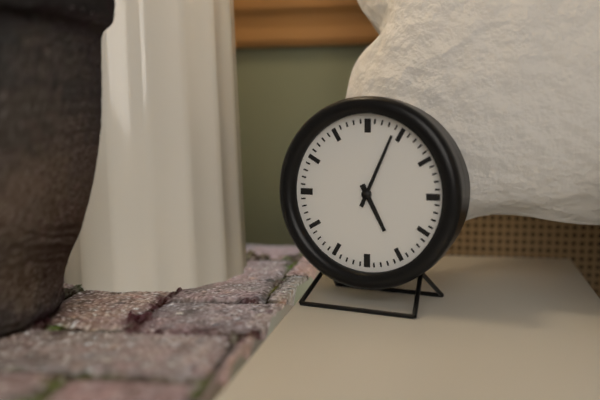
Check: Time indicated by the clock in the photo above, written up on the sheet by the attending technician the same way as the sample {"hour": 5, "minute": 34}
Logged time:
{"hour": 5, "minute": 4}
